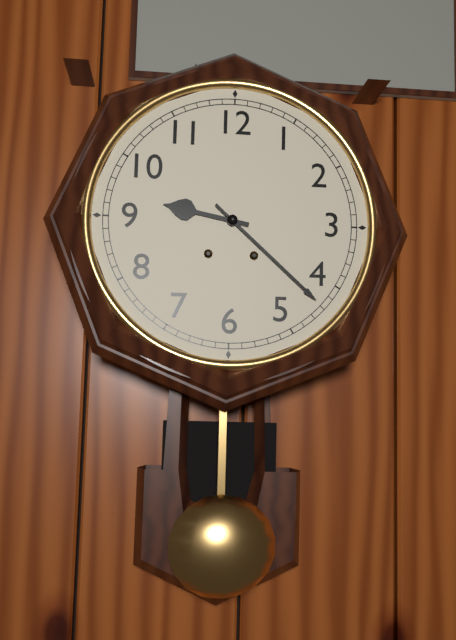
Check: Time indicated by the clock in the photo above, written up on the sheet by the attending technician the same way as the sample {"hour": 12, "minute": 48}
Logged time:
{"hour": 9, "minute": 22}
